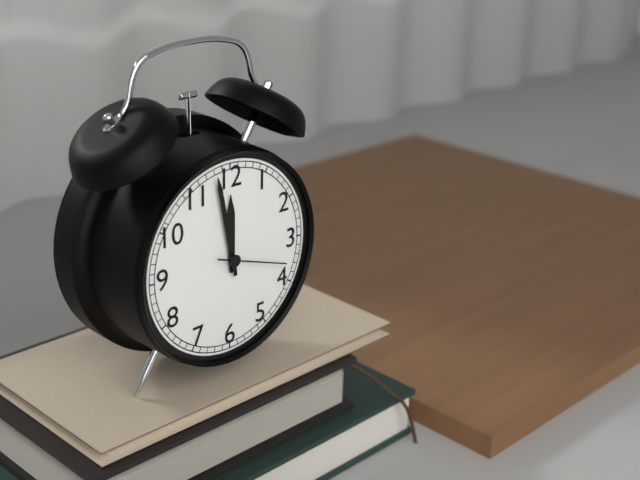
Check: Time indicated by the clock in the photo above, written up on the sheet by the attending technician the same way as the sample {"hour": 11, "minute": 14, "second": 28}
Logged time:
{"hour": 11, "minute": 58, "second": 18}
